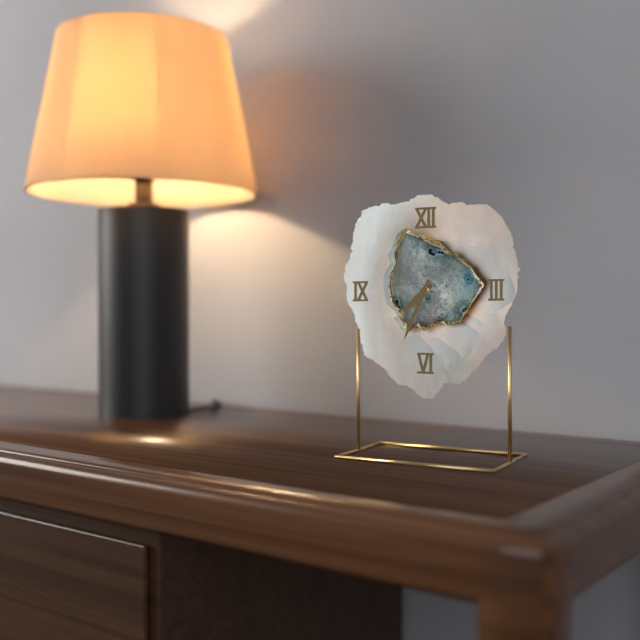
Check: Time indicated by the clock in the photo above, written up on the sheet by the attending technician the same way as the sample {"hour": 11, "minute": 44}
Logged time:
{"hour": 7, "minute": 34}
